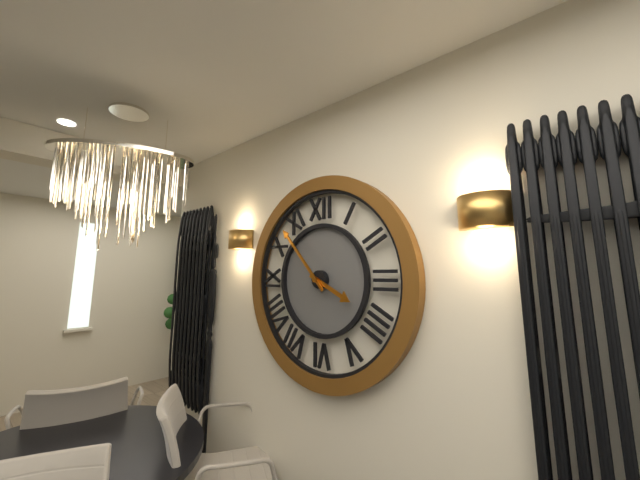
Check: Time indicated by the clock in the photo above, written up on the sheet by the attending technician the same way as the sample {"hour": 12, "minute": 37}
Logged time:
{"hour": 3, "minute": 53}
